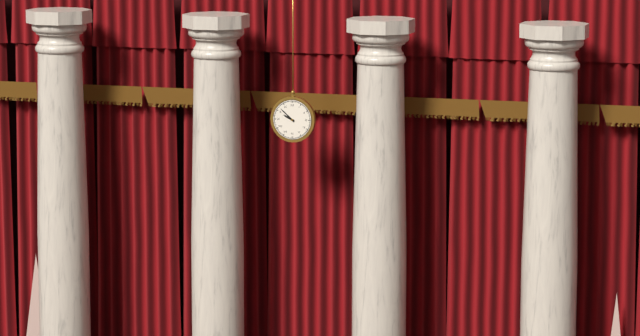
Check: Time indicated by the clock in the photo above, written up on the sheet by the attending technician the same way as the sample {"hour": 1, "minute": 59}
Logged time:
{"hour": 9, "minute": 52}
